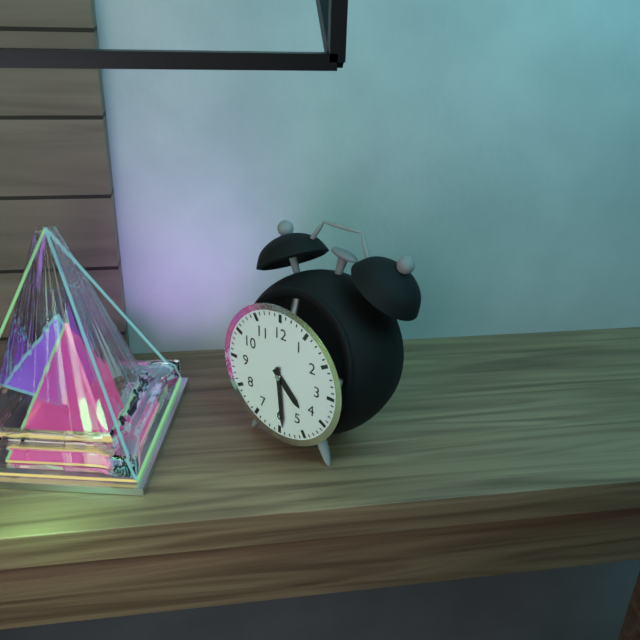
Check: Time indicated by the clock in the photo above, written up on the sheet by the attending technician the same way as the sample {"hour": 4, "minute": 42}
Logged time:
{"hour": 4, "minute": 29}
